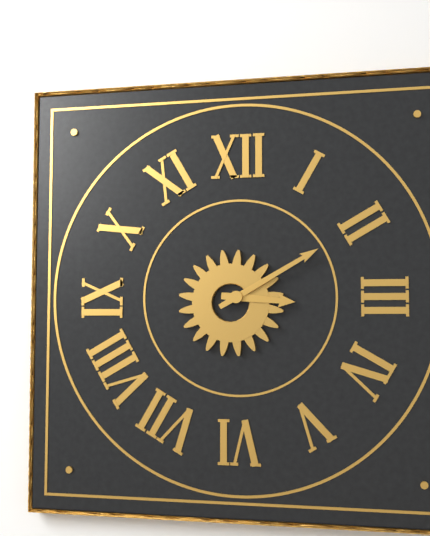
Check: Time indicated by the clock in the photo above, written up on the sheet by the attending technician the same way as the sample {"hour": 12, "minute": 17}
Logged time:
{"hour": 3, "minute": 10}
